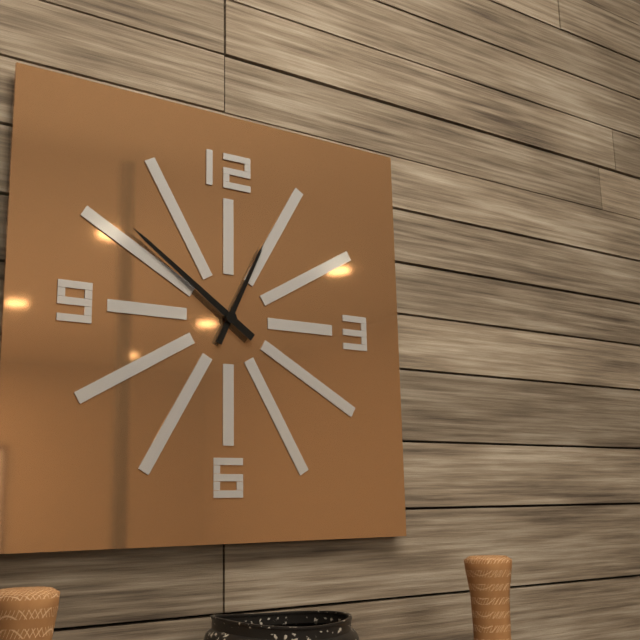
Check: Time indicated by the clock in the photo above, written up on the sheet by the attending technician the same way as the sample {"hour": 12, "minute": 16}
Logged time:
{"hour": 12, "minute": 51}
